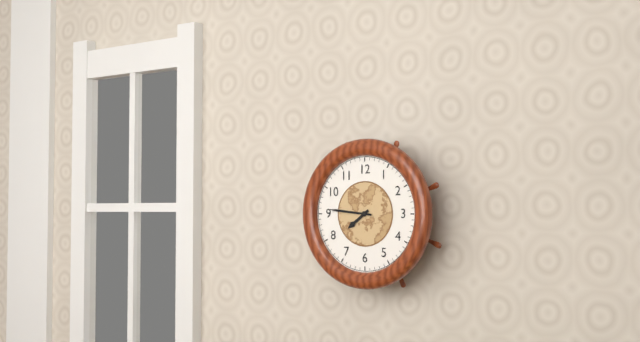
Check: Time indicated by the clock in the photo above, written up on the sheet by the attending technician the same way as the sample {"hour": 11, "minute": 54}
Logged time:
{"hour": 7, "minute": 46}
